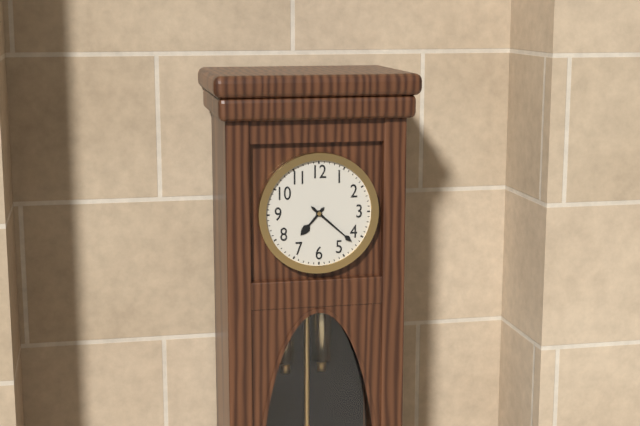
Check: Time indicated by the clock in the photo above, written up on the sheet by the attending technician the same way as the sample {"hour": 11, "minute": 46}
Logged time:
{"hour": 7, "minute": 22}
